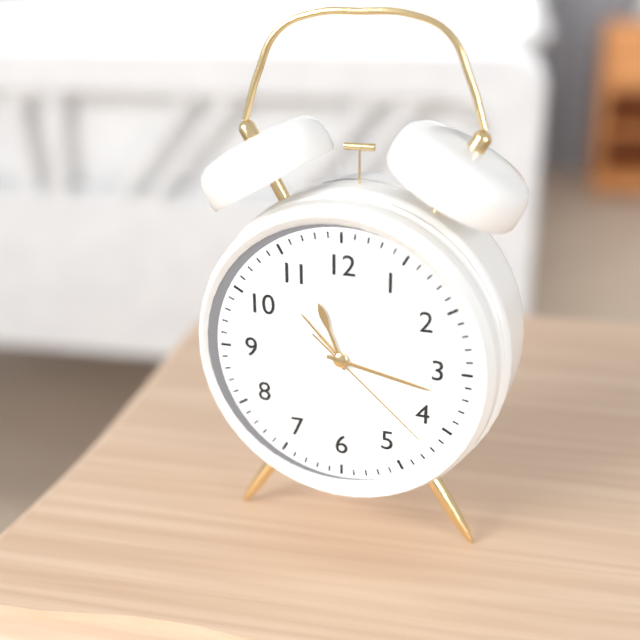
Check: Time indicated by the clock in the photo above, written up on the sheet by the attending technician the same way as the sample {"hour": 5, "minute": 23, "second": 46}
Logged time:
{"hour": 11, "minute": 17, "second": 22}
